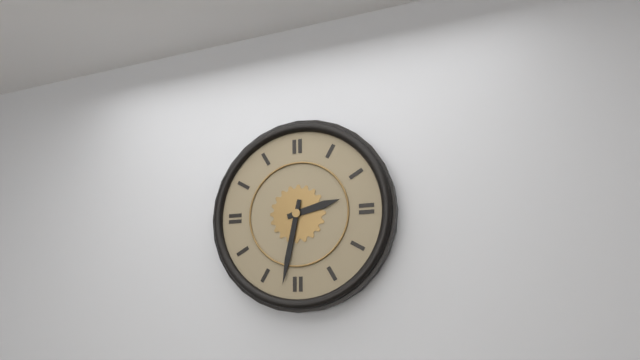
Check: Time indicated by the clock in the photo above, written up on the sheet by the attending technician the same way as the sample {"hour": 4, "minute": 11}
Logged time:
{"hour": 2, "minute": 32}
